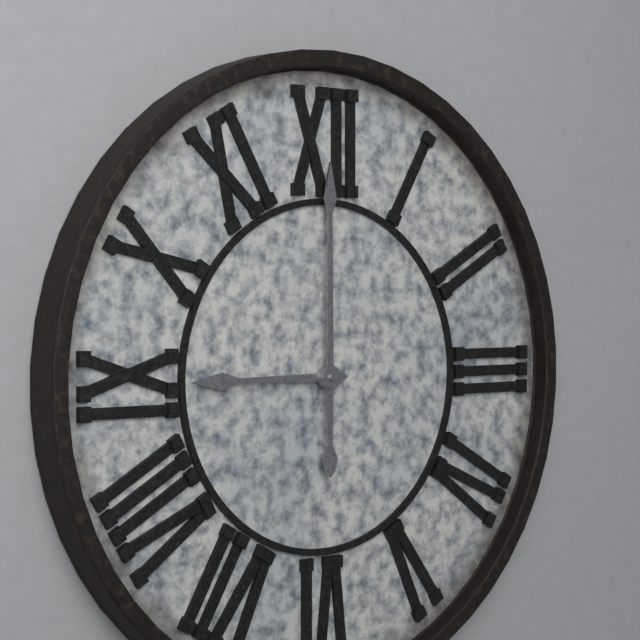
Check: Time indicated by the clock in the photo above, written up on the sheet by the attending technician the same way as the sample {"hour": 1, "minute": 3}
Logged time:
{"hour": 9, "minute": 0}
